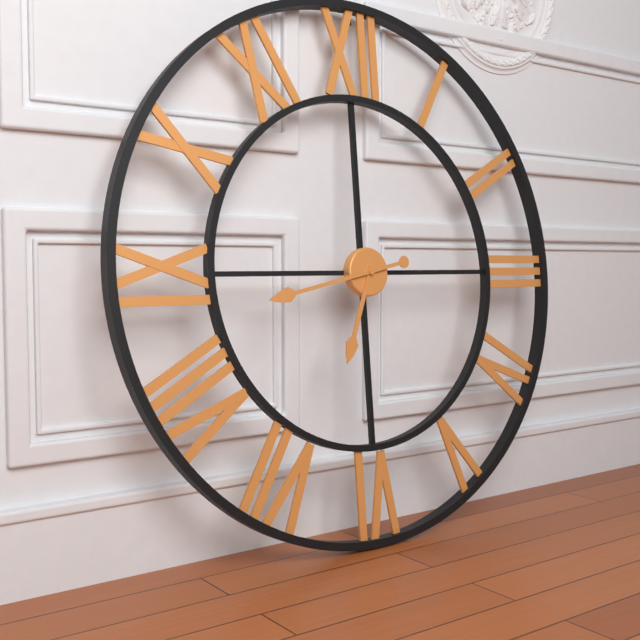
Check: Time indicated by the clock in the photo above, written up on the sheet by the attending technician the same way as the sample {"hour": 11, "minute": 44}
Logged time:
{"hour": 6, "minute": 43}
